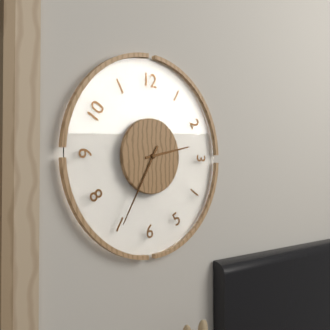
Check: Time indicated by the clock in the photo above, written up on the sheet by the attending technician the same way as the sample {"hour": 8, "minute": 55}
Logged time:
{"hour": 2, "minute": 35}
